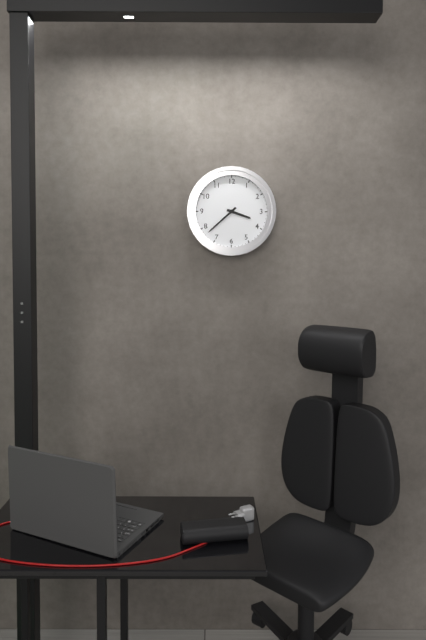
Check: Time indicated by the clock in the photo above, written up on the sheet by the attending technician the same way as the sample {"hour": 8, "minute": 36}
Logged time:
{"hour": 3, "minute": 38}
